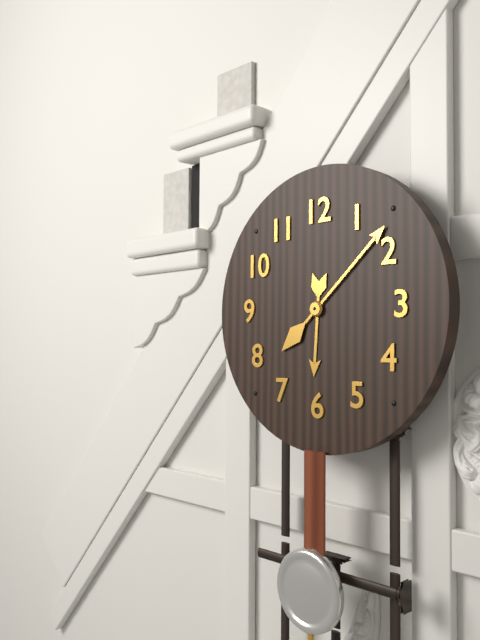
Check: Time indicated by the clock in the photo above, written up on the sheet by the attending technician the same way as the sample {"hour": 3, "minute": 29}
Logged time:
{"hour": 6, "minute": 8}
